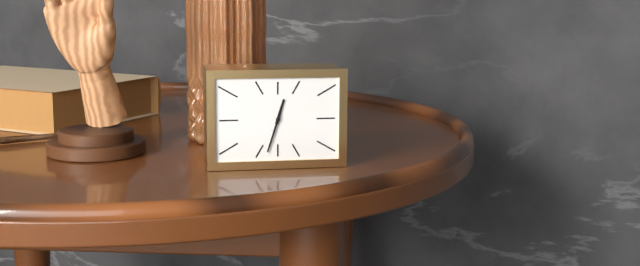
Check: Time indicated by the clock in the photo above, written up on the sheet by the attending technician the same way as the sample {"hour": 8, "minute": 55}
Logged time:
{"hour": 12, "minute": 33}
